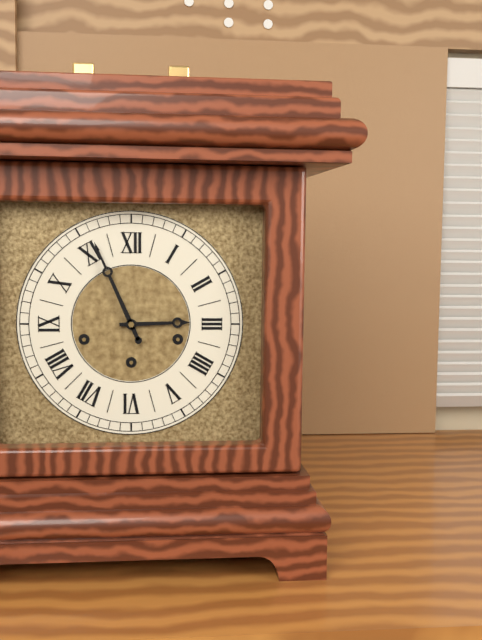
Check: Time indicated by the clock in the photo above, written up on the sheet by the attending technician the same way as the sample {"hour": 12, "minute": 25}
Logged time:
{"hour": 2, "minute": 56}
